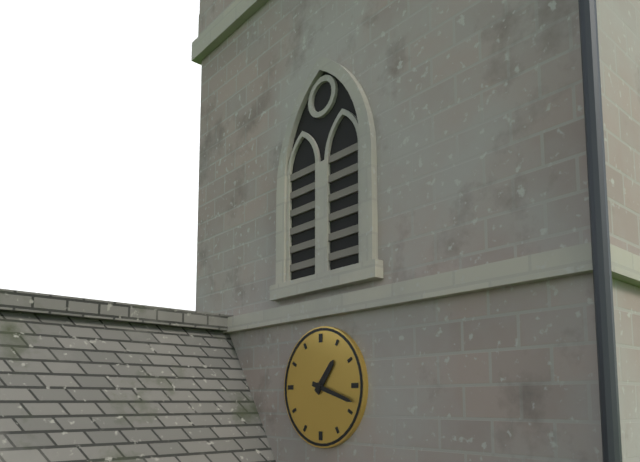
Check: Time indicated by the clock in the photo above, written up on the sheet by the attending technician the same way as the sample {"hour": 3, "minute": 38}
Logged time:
{"hour": 1, "minute": 18}
